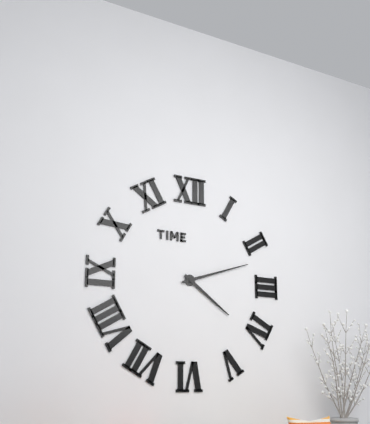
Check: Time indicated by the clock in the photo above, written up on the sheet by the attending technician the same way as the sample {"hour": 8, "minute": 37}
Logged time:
{"hour": 4, "minute": 12}
